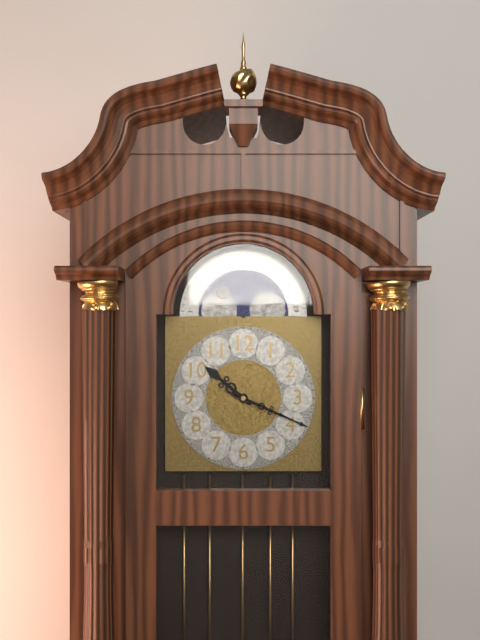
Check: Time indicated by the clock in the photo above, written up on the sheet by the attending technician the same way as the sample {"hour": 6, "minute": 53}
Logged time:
{"hour": 10, "minute": 19}
